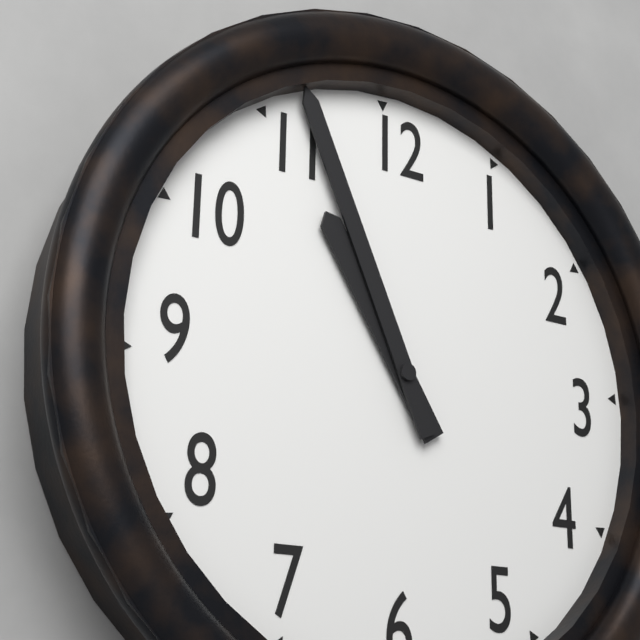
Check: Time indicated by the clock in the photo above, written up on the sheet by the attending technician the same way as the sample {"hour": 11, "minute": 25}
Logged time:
{"hour": 10, "minute": 56}
